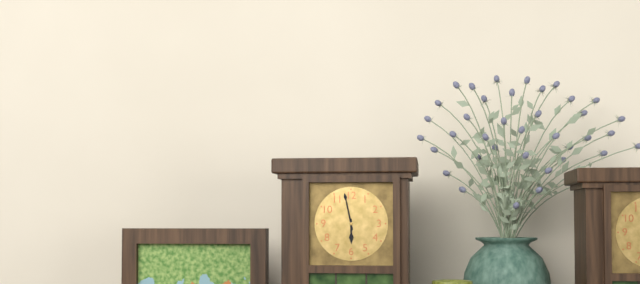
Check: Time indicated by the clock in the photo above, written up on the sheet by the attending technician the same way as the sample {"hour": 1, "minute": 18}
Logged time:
{"hour": 5, "minute": 58}
